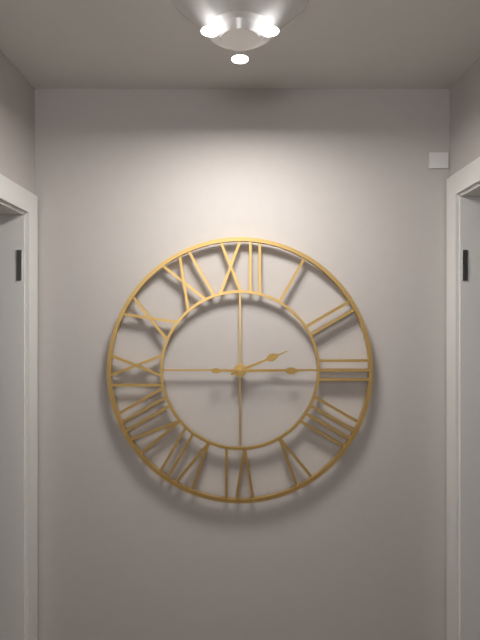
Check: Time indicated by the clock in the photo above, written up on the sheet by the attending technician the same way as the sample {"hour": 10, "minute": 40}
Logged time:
{"hour": 2, "minute": 15}
